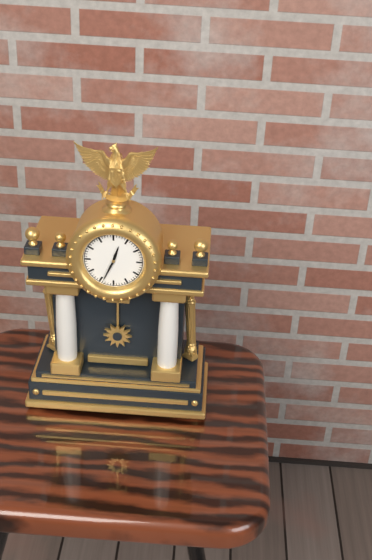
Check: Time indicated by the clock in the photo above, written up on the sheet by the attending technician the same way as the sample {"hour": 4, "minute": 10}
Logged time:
{"hour": 12, "minute": 34}
